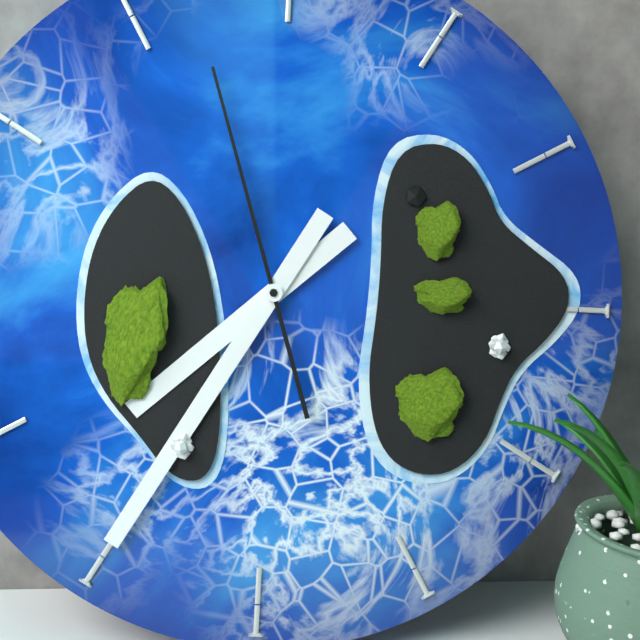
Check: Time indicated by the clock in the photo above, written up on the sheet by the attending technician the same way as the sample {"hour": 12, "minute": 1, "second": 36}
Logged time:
{"hour": 7, "minute": 35, "second": 57}
